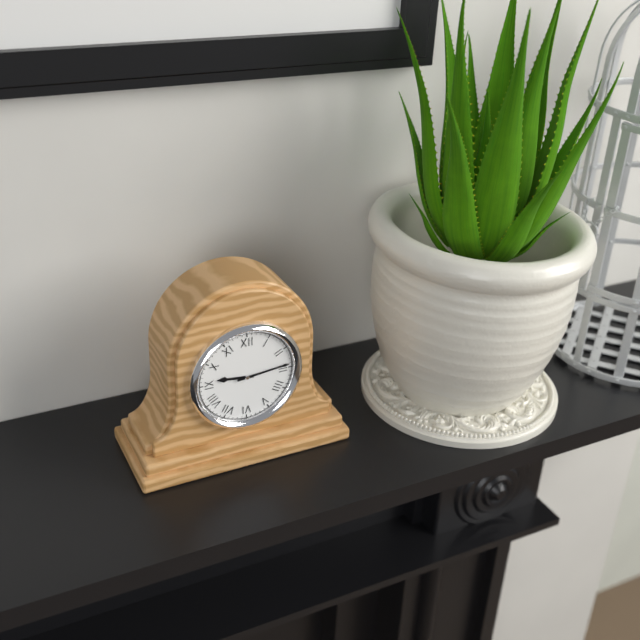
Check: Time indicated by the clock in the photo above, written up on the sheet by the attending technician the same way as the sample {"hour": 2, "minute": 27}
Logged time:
{"hour": 9, "minute": 14}
